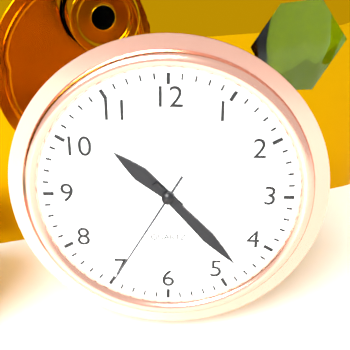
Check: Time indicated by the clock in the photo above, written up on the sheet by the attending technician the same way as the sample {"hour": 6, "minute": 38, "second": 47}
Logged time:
{"hour": 10, "minute": 23, "second": 35}
